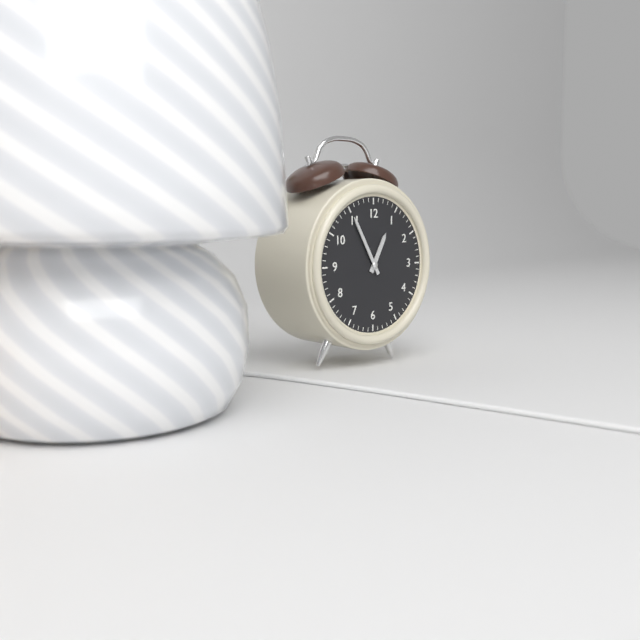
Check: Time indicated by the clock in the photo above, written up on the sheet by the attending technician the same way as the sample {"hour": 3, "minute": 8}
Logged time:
{"hour": 12, "minute": 55}
